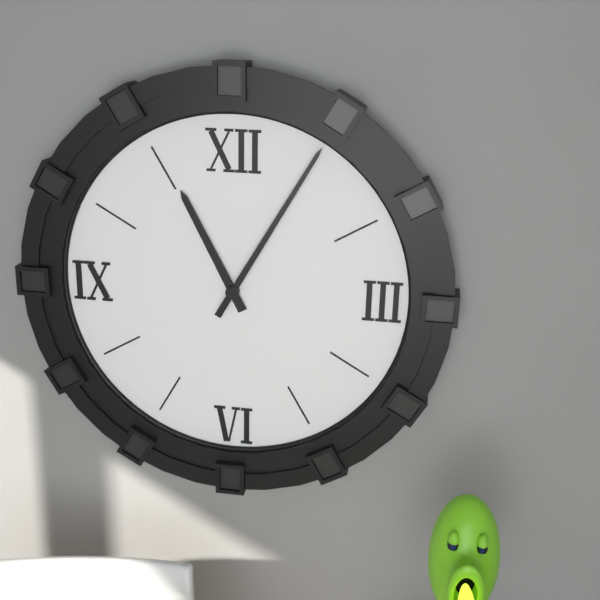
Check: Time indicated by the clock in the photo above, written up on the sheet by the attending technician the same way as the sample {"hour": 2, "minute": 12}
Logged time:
{"hour": 11, "minute": 5}
